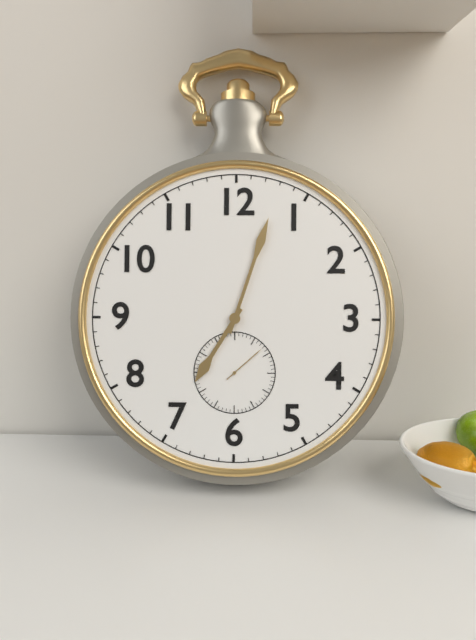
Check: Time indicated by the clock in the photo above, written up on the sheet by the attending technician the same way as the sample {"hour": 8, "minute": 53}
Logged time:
{"hour": 7, "minute": 3}
